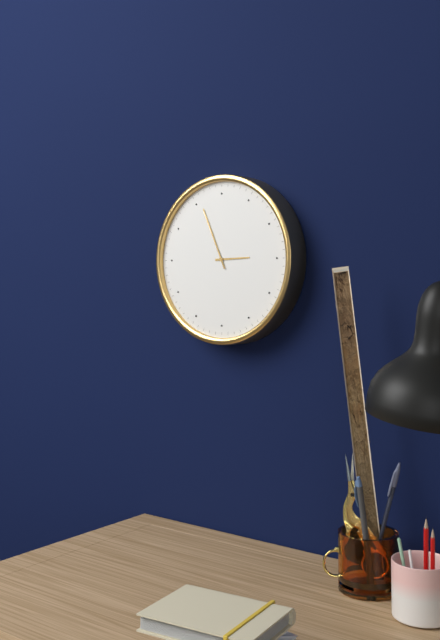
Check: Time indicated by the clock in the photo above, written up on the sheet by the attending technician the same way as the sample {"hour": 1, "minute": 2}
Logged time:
{"hour": 2, "minute": 56}
